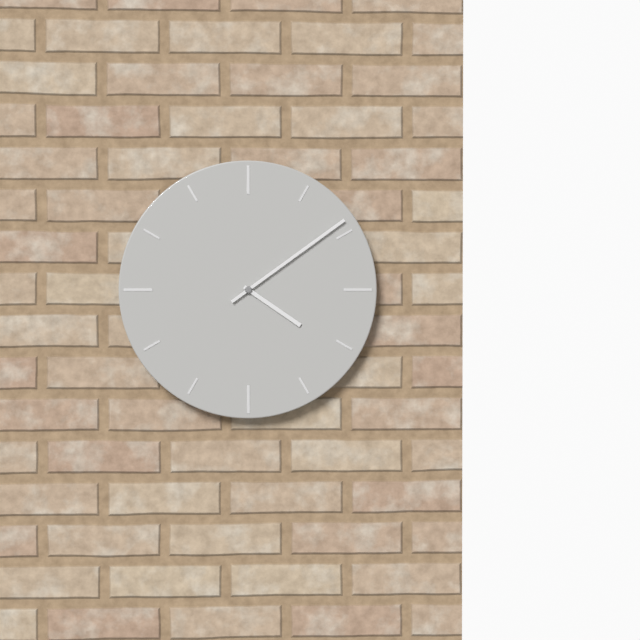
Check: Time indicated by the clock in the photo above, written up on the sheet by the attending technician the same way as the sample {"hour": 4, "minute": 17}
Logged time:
{"hour": 4, "minute": 9}
